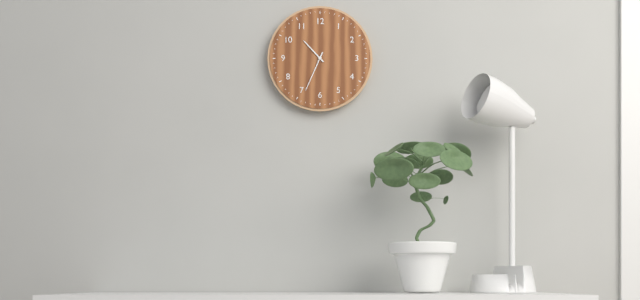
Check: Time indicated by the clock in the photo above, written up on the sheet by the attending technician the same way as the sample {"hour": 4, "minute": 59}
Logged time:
{"hour": 10, "minute": 34}
